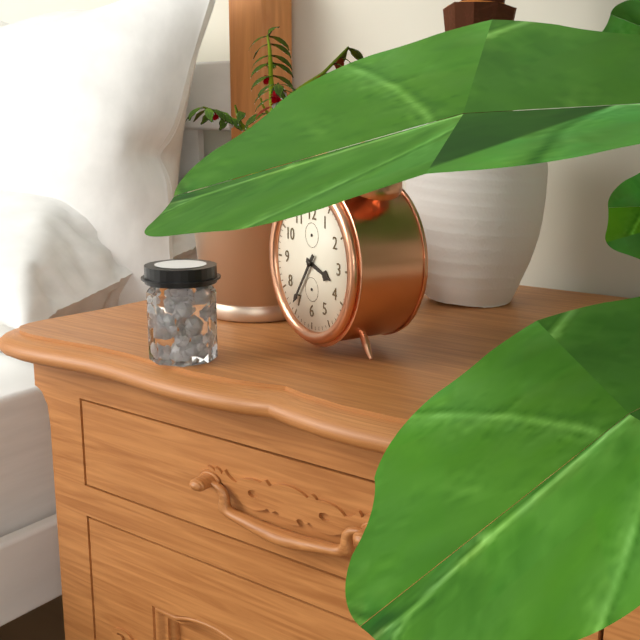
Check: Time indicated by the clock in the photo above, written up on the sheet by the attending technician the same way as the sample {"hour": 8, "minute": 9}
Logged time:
{"hour": 3, "minute": 36}
